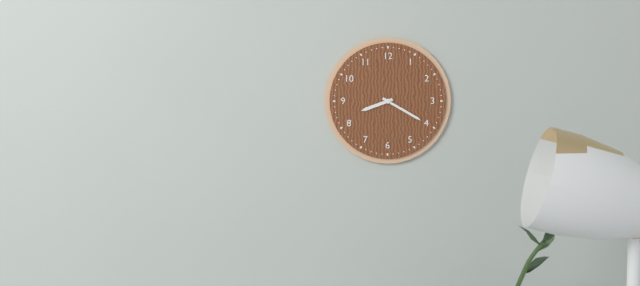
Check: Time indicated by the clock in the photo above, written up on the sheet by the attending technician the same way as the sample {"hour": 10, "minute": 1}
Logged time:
{"hour": 8, "minute": 20}
